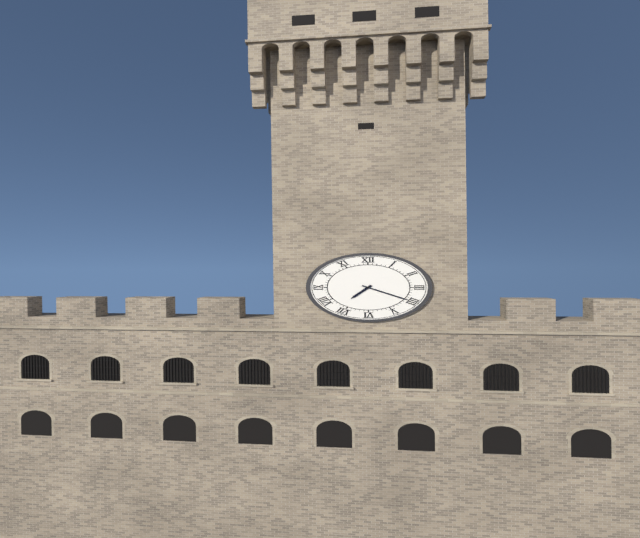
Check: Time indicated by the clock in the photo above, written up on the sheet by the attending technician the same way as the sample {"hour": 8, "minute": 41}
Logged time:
{"hour": 7, "minute": 20}
